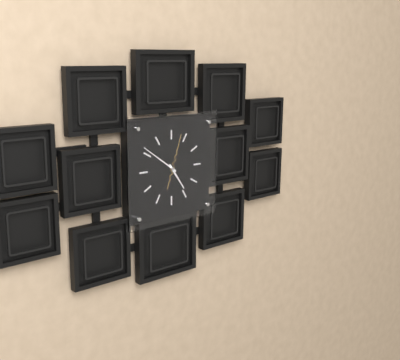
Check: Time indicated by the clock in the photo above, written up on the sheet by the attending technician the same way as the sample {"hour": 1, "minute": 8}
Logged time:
{"hour": 4, "minute": 51}
